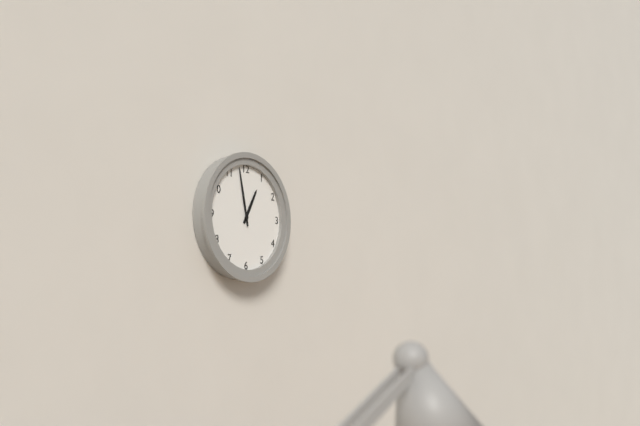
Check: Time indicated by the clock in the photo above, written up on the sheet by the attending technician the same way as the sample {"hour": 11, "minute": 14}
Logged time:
{"hour": 12, "minute": 58}
